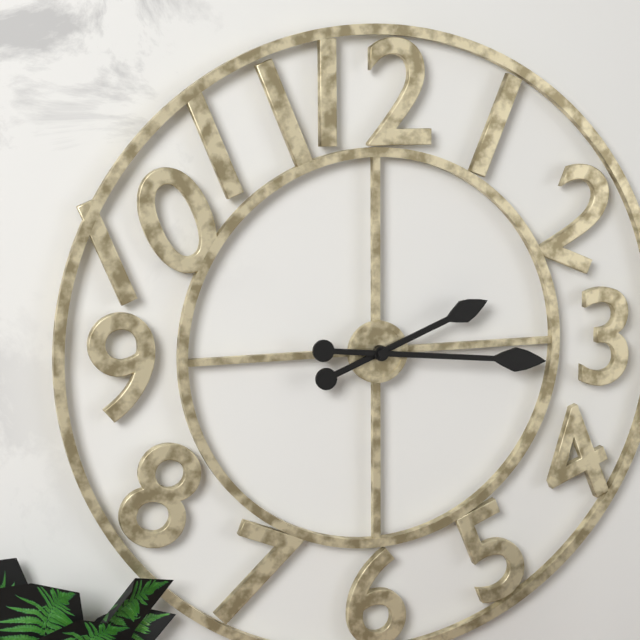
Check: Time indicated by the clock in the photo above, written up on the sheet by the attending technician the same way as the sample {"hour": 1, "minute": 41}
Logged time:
{"hour": 2, "minute": 16}
